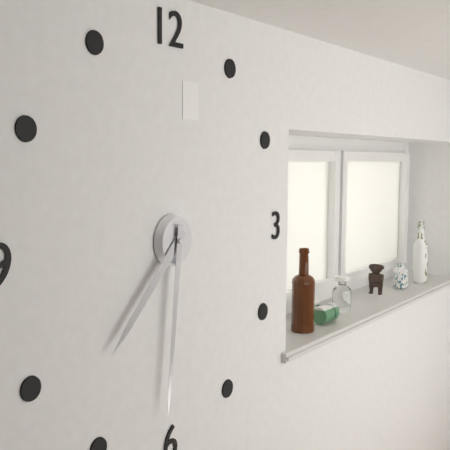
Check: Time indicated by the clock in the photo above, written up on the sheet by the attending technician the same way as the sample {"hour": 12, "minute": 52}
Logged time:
{"hour": 7, "minute": 31}
